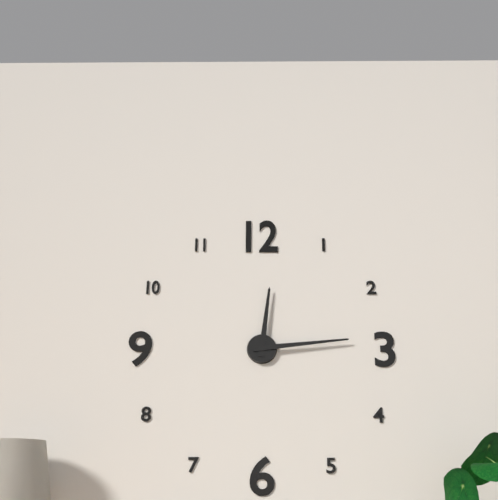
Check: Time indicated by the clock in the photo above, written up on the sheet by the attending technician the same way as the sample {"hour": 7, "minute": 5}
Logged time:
{"hour": 12, "minute": 14}
